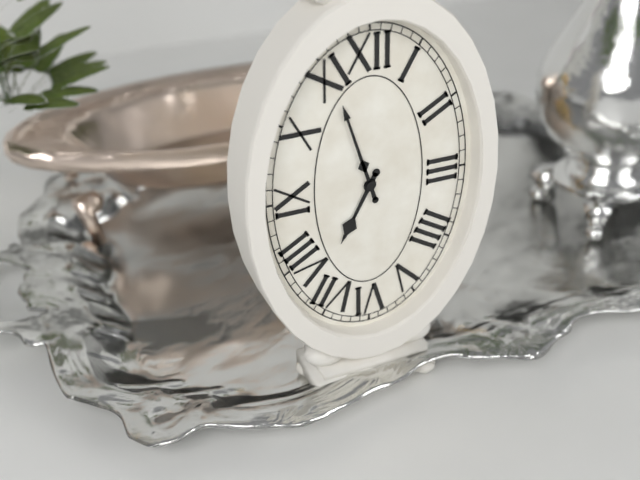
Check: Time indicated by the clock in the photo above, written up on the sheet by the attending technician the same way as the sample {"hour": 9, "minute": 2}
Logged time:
{"hour": 6, "minute": 57}
